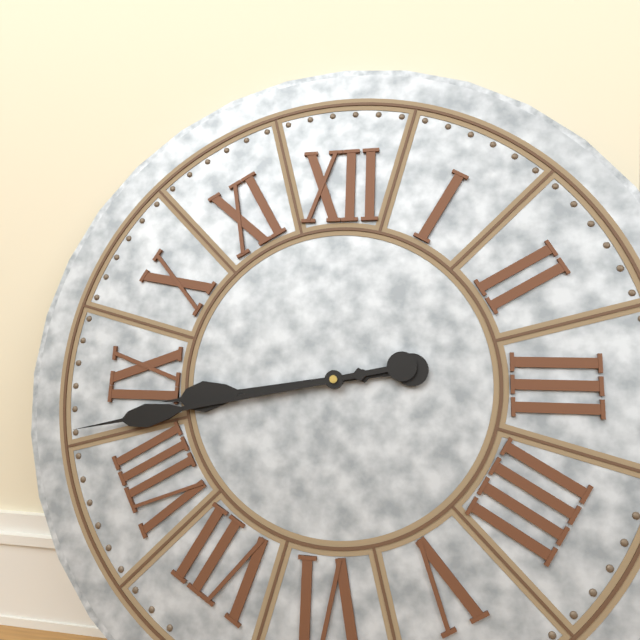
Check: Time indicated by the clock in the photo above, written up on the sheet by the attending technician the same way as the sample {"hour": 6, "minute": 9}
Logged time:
{"hour": 8, "minute": 43}
